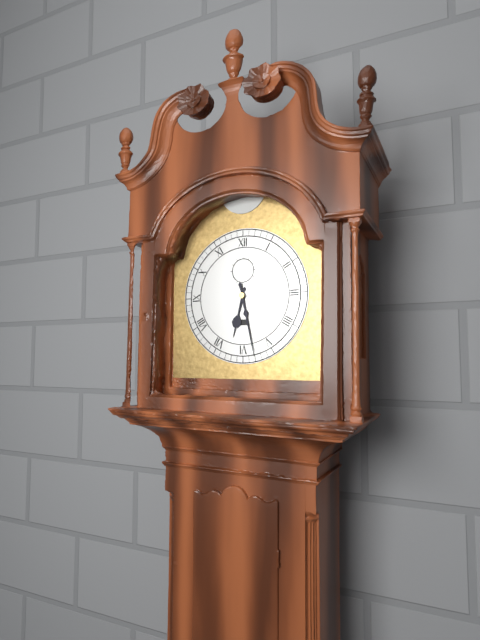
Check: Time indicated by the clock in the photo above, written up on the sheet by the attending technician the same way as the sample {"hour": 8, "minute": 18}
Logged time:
{"hour": 6, "minute": 28}
